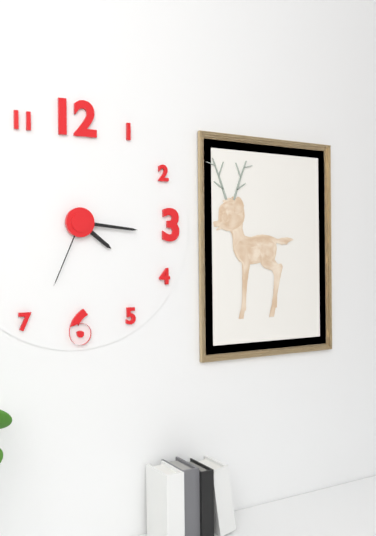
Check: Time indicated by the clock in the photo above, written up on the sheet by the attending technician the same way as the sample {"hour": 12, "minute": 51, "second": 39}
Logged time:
{"hour": 4, "minute": 16, "second": 34}
